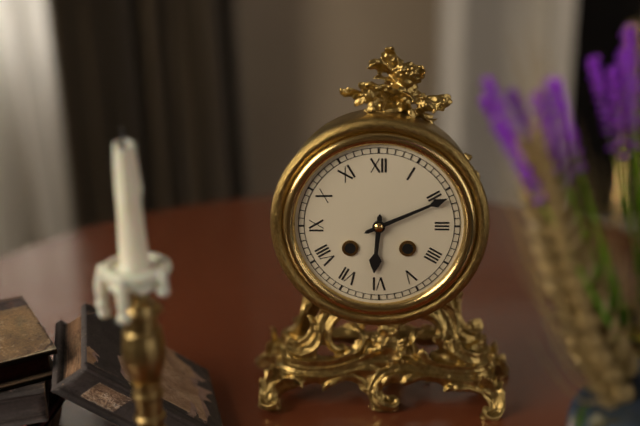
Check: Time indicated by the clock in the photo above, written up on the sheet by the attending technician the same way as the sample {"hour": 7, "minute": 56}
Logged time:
{"hour": 6, "minute": 11}
